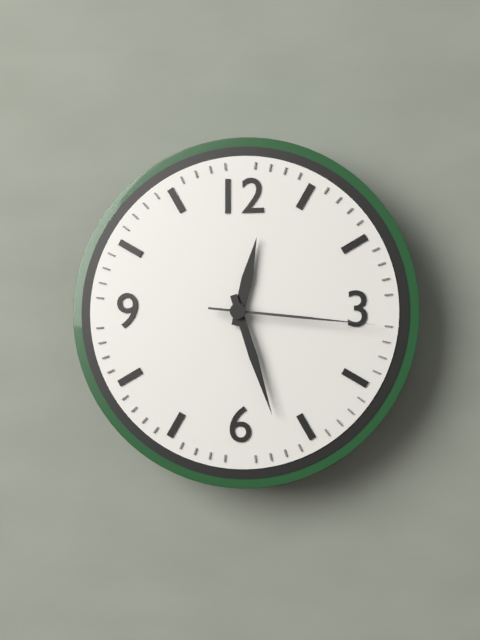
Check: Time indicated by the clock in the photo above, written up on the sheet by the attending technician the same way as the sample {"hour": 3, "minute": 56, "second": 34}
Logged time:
{"hour": 12, "minute": 27, "second": 16}
